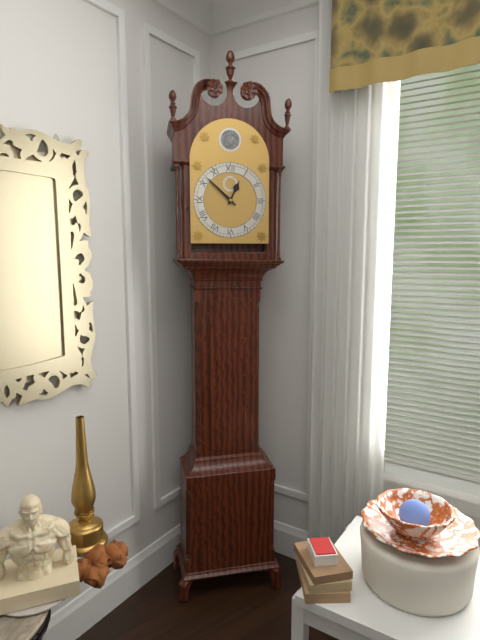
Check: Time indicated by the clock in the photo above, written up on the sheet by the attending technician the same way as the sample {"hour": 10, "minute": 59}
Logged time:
{"hour": 12, "minute": 52}
